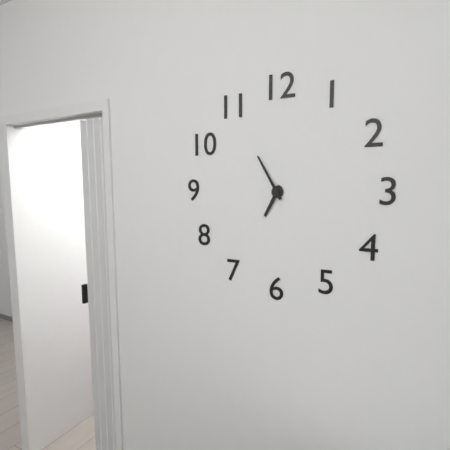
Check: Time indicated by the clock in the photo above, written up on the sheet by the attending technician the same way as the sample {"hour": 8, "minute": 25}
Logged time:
{"hour": 6, "minute": 55}
